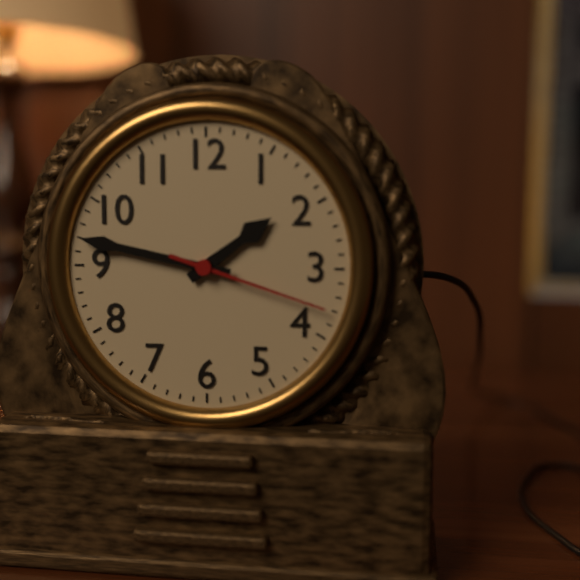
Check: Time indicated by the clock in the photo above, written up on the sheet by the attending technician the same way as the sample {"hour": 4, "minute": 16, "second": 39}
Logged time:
{"hour": 1, "minute": 47, "second": 18}
